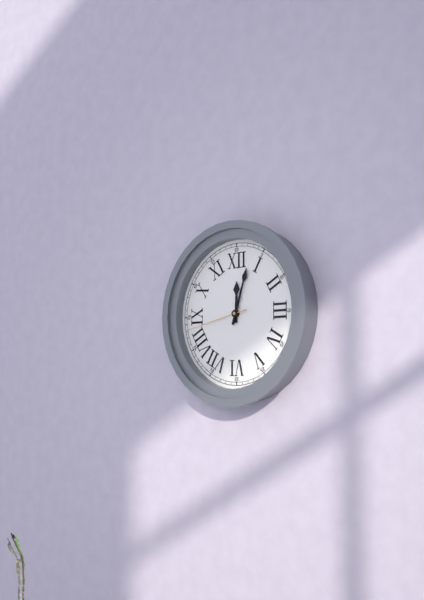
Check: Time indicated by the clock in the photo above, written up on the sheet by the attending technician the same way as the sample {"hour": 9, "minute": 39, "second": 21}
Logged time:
{"hour": 12, "minute": 3, "second": 43}
